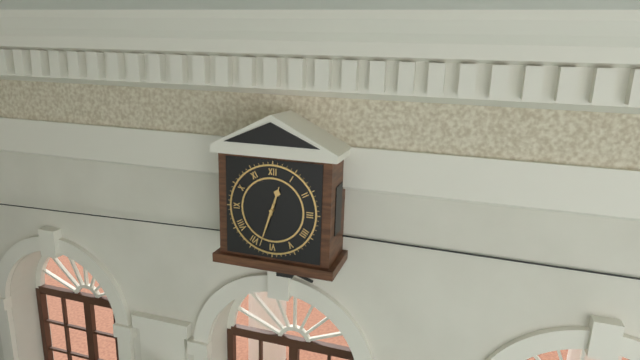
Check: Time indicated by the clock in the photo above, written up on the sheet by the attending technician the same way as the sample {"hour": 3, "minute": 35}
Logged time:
{"hour": 12, "minute": 33}
